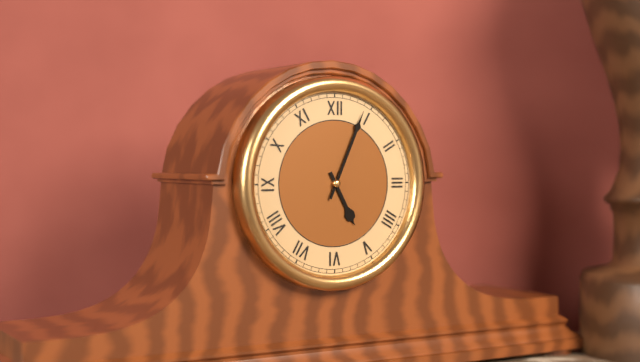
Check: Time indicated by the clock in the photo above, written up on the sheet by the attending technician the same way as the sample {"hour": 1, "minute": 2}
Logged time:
{"hour": 5, "minute": 4}
